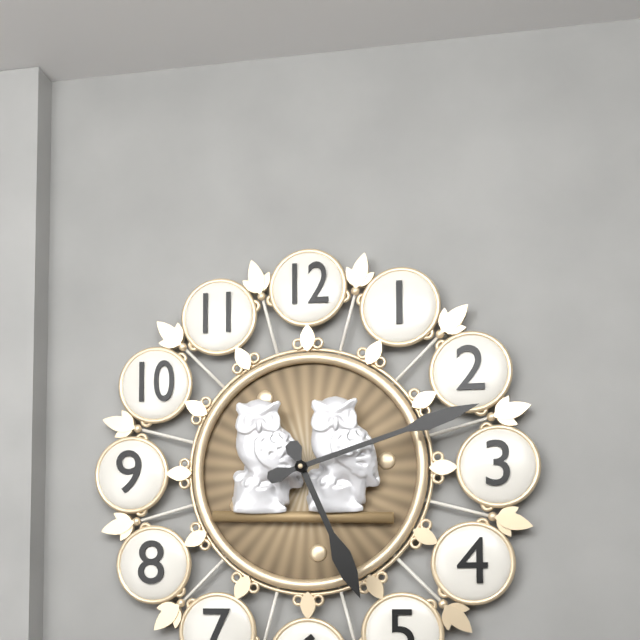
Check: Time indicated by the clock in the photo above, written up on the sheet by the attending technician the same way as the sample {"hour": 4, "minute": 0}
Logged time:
{"hour": 5, "minute": 12}
